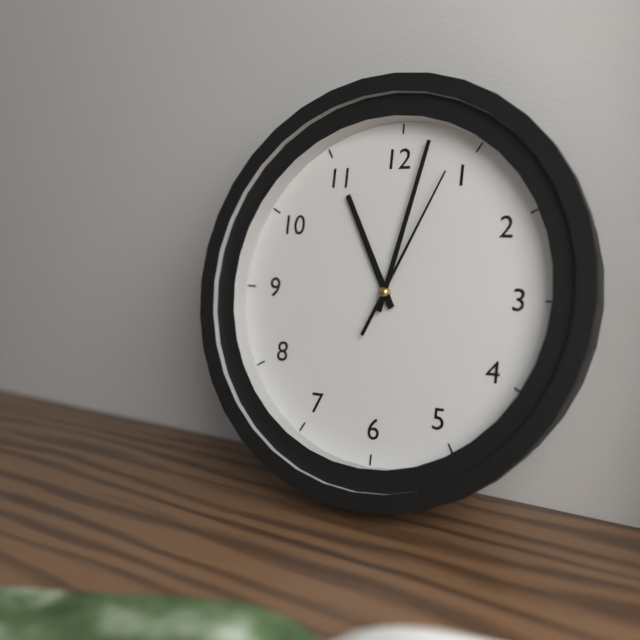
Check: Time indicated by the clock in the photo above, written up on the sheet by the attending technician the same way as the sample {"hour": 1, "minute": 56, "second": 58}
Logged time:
{"hour": 11, "minute": 2, "second": 4}
